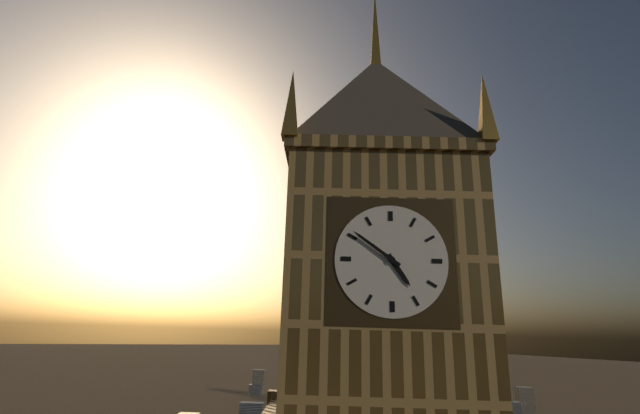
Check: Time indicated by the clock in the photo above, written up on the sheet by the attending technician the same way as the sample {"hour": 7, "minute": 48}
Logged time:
{"hour": 4, "minute": 51}
